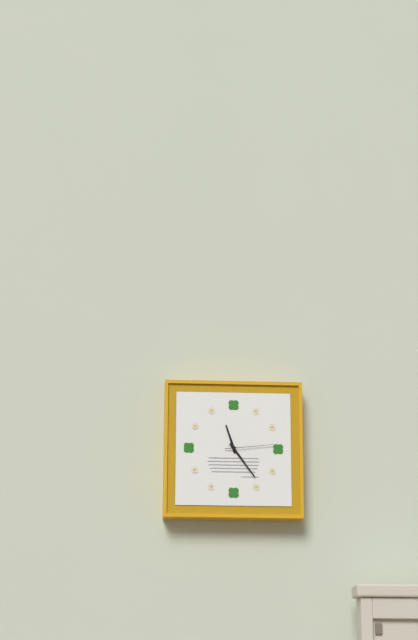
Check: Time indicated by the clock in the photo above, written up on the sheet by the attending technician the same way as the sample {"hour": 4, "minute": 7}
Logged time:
{"hour": 11, "minute": 24}
